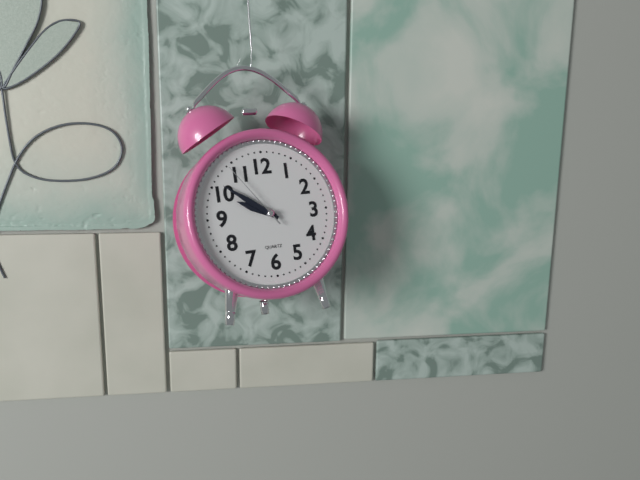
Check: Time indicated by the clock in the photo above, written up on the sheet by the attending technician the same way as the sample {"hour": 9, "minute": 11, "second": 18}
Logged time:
{"hour": 9, "minute": 51, "second": 54}
